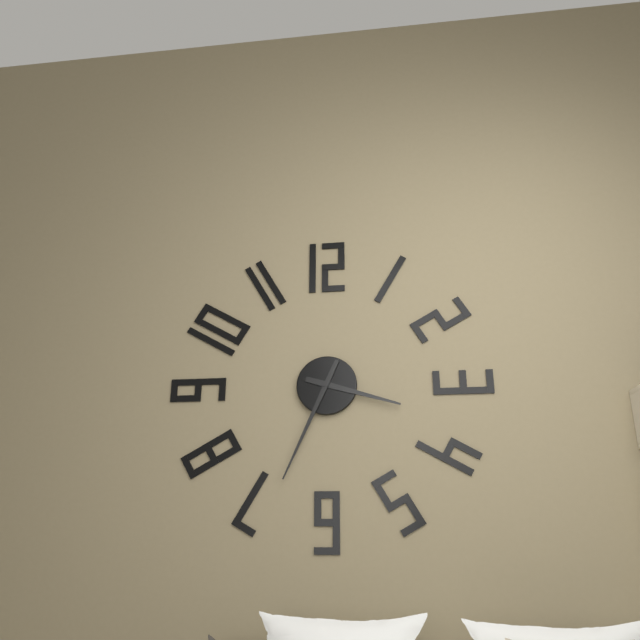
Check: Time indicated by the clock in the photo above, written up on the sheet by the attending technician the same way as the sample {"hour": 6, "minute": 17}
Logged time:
{"hour": 3, "minute": 34}
